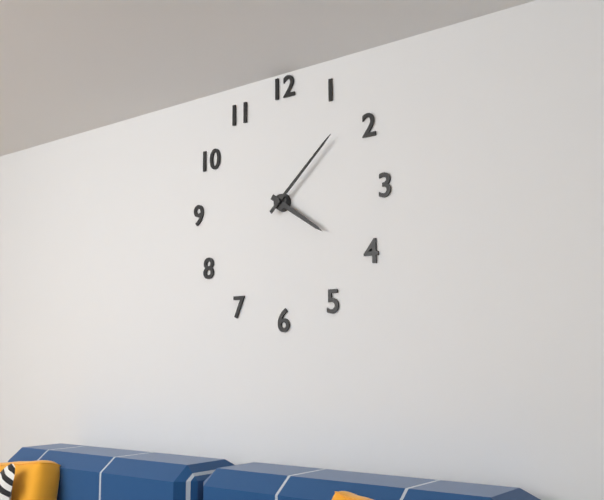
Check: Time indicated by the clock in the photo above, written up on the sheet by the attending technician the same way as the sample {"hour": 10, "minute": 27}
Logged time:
{"hour": 4, "minute": 8}
